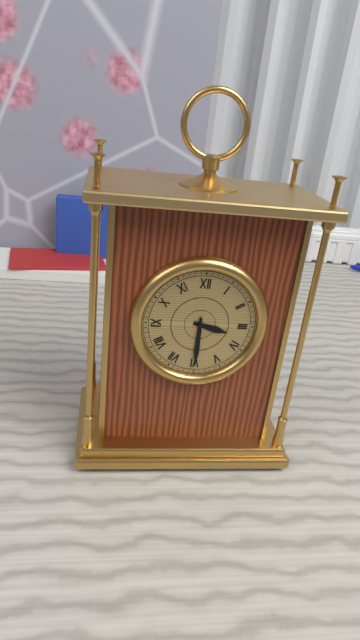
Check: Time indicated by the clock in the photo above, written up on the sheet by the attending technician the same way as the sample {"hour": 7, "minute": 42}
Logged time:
{"hour": 3, "minute": 30}
